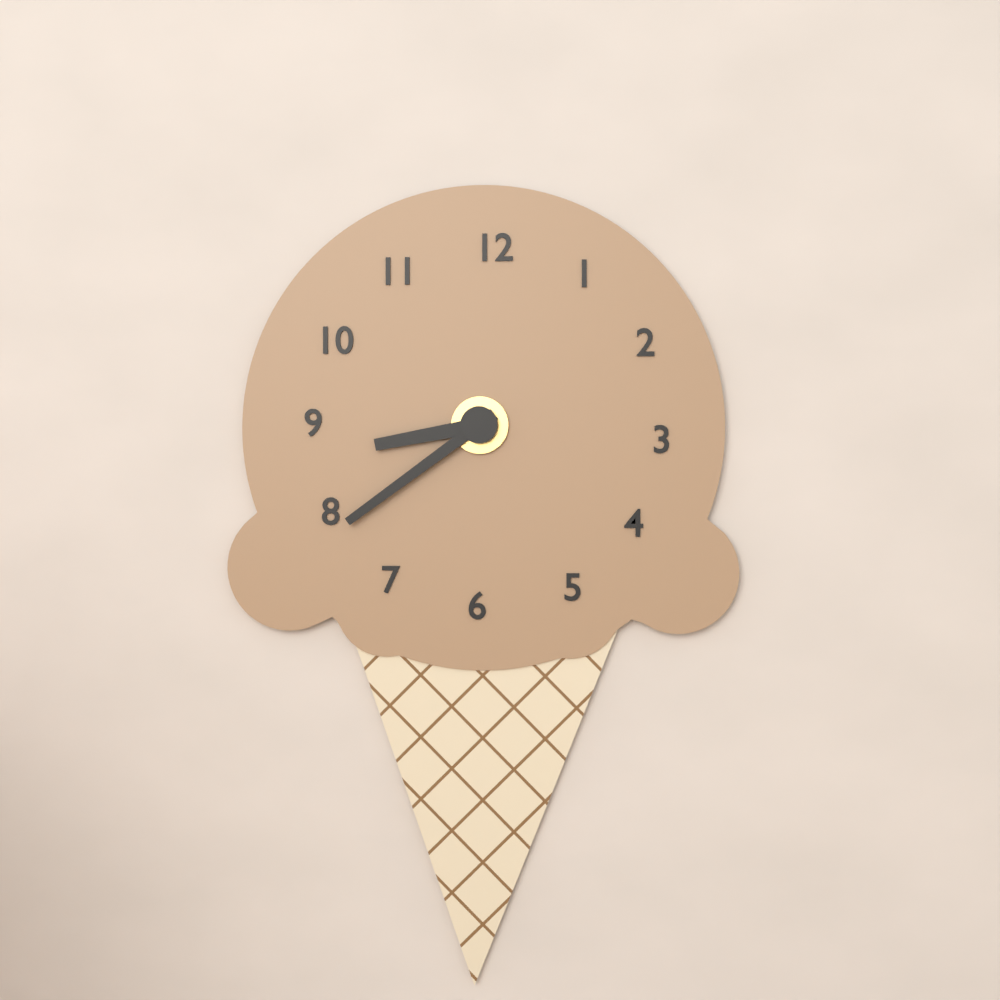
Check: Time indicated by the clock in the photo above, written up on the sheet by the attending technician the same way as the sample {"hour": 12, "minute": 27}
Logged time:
{"hour": 8, "minute": 39}
